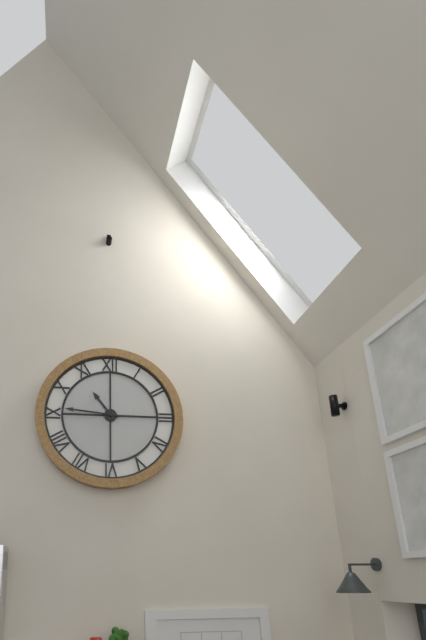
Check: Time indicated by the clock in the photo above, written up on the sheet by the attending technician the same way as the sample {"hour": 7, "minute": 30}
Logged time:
{"hour": 10, "minute": 46}
